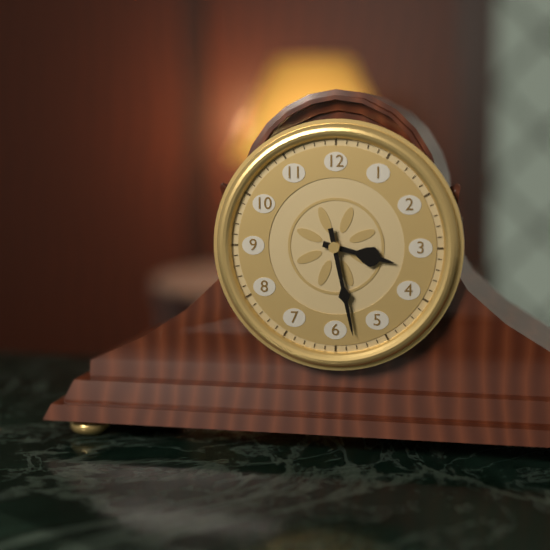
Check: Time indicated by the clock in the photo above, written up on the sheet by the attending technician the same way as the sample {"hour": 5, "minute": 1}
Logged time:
{"hour": 3, "minute": 28}
